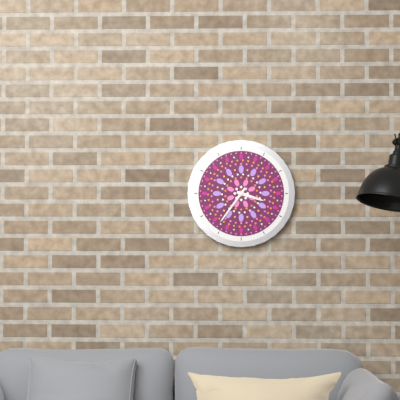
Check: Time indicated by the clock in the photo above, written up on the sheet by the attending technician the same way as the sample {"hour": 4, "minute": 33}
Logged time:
{"hour": 3, "minute": 36}
